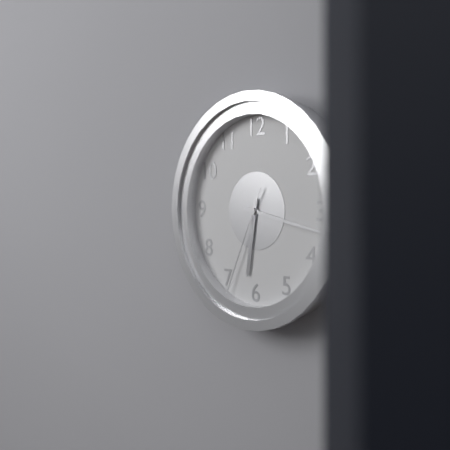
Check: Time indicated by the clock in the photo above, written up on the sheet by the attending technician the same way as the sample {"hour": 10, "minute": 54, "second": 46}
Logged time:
{"hour": 6, "minute": 17, "second": 34}
